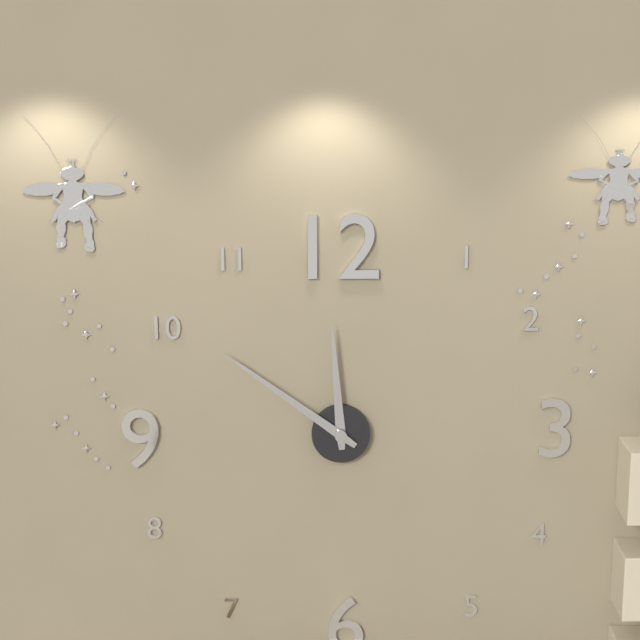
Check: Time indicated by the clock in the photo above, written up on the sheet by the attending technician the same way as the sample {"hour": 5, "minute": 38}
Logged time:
{"hour": 11, "minute": 51}
